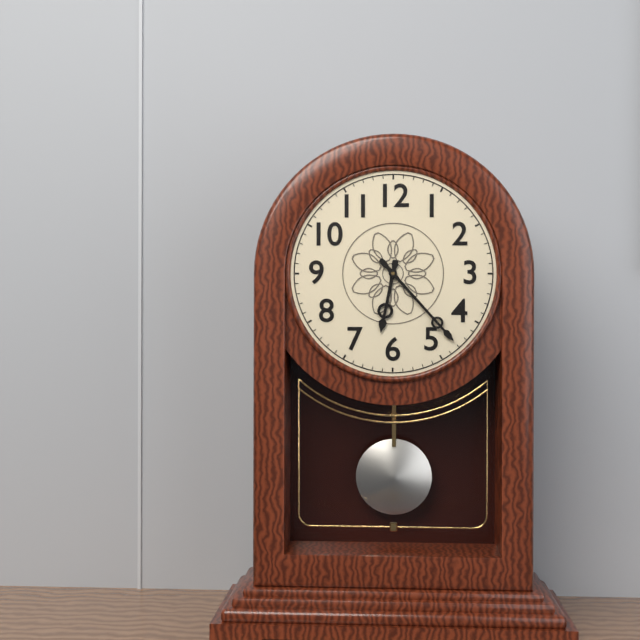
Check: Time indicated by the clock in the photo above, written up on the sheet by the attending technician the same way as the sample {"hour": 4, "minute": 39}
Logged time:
{"hour": 6, "minute": 23}
